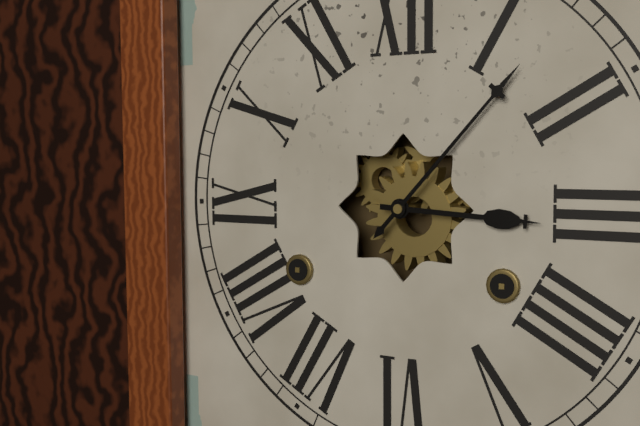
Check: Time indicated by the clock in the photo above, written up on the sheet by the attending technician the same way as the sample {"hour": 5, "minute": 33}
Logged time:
{"hour": 3, "minute": 7}
